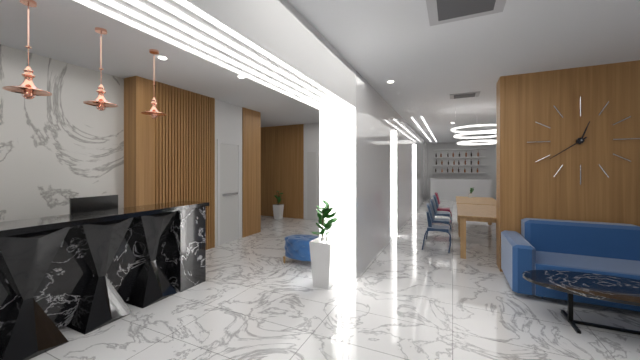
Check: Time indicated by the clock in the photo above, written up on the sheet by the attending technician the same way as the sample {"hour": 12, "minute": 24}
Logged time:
{"hour": 12, "minute": 39}
